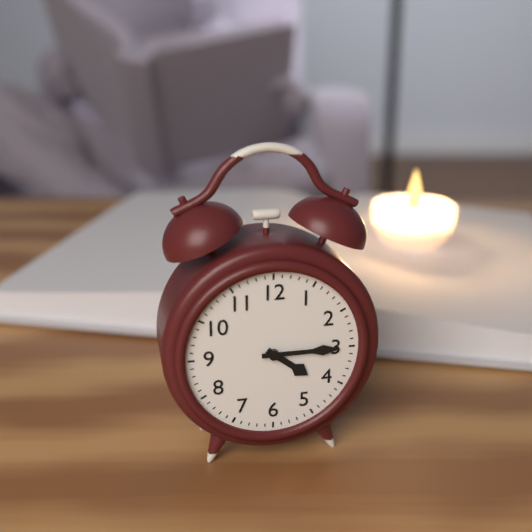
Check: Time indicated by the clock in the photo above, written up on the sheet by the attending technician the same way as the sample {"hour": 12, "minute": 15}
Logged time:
{"hour": 4, "minute": 15}
